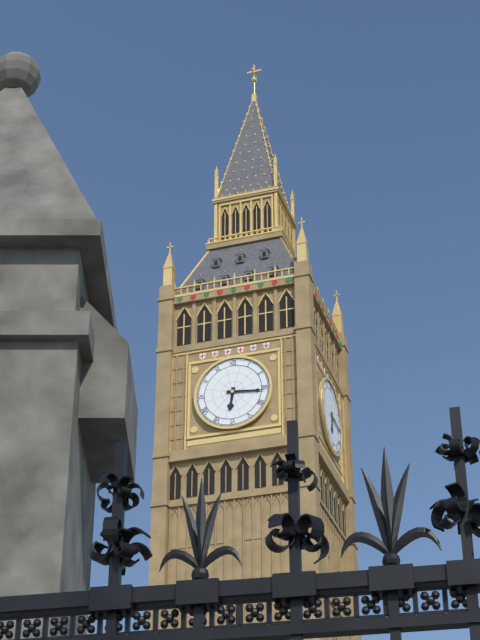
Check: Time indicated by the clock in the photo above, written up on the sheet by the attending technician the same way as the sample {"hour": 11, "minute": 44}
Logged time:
{"hour": 6, "minute": 16}
